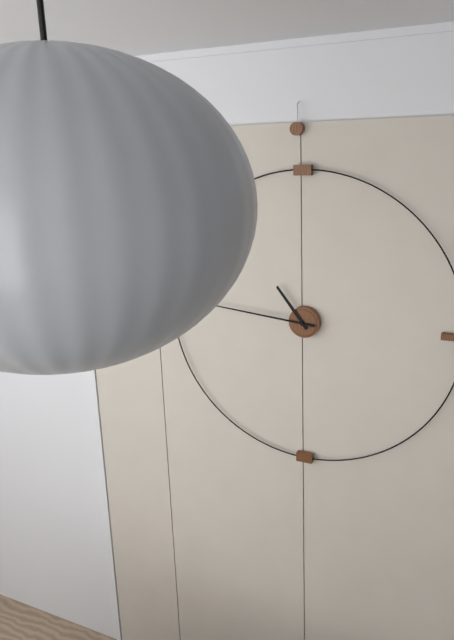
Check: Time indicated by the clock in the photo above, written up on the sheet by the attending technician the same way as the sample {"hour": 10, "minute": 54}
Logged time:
{"hour": 10, "minute": 46}
